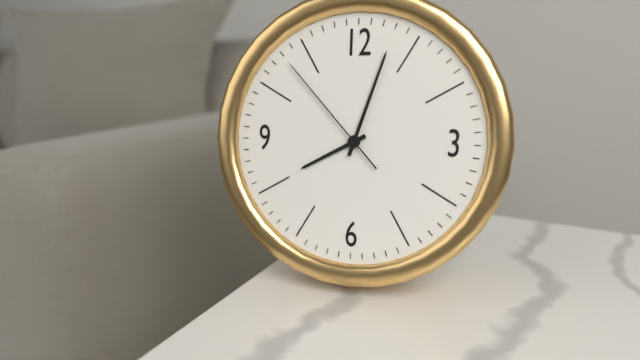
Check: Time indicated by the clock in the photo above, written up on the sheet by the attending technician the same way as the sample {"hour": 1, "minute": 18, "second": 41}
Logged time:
{"hour": 8, "minute": 3, "second": 53}
